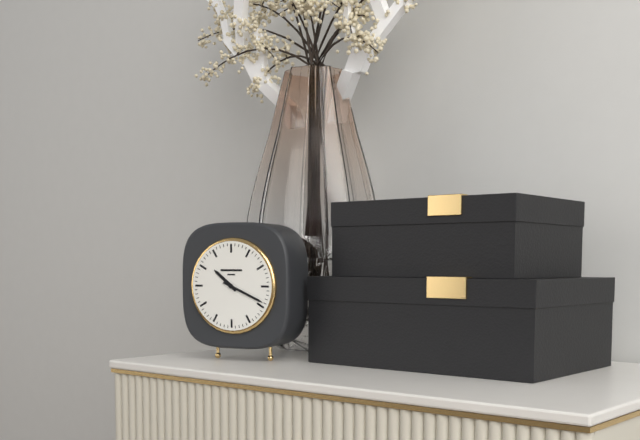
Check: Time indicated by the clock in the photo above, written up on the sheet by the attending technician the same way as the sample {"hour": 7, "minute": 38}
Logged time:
{"hour": 10, "minute": 19}
